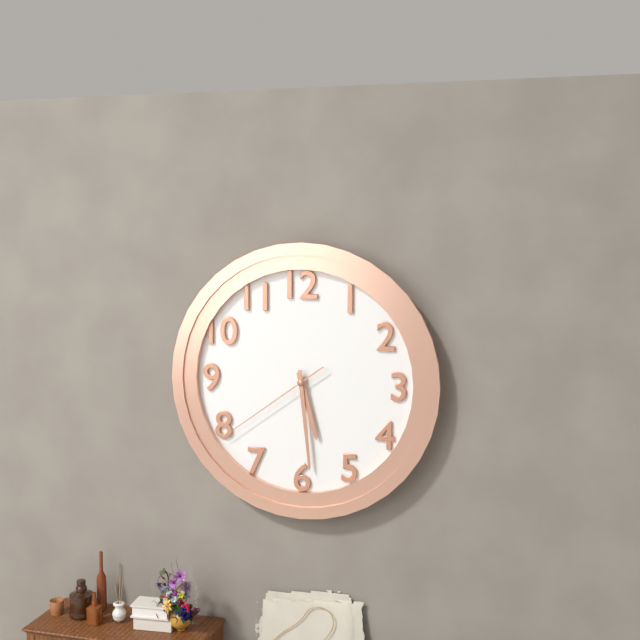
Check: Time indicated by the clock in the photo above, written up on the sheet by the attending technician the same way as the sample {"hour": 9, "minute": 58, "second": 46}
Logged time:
{"hour": 5, "minute": 29, "second": 39}
